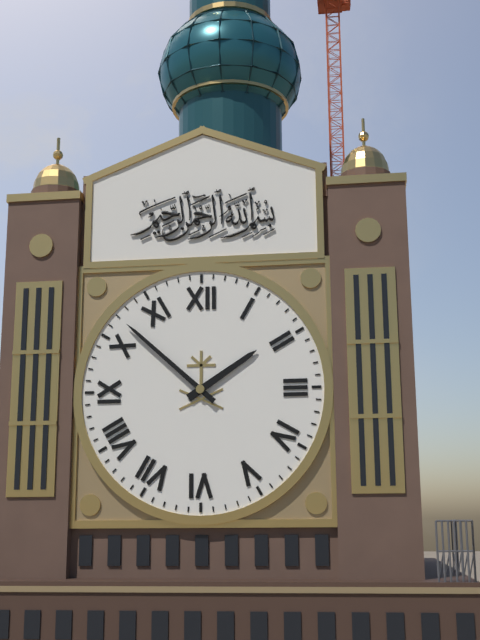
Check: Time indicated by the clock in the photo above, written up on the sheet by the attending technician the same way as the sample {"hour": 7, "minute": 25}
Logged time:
{"hour": 1, "minute": 52}
